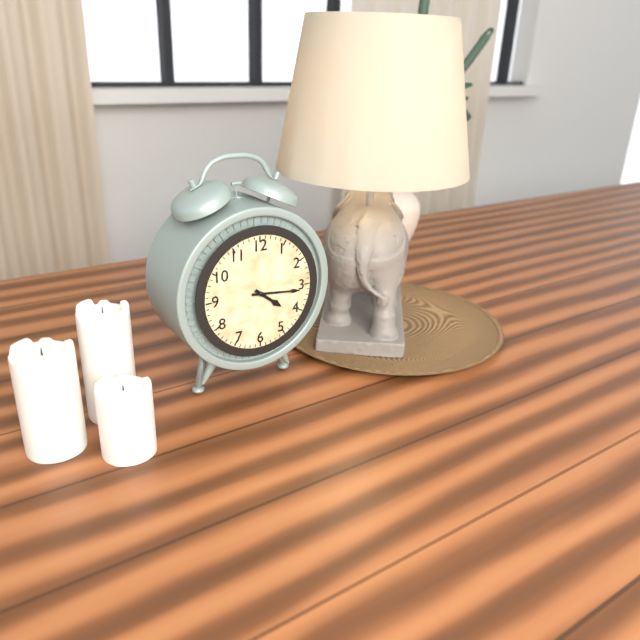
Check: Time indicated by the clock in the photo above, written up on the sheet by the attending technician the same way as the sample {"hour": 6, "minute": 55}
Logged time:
{"hour": 4, "minute": 16}
